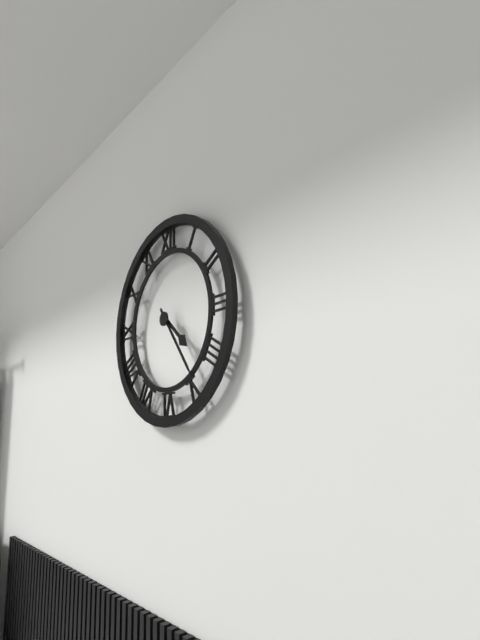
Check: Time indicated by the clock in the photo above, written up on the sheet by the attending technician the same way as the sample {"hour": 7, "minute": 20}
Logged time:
{"hour": 4, "minute": 24}
